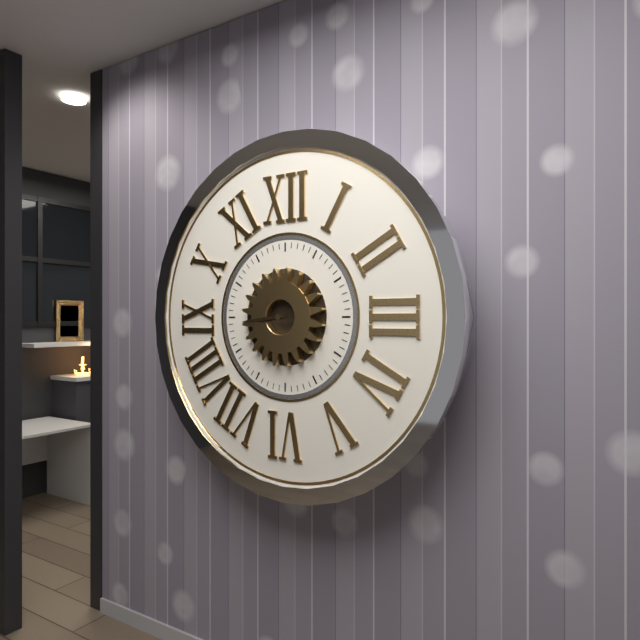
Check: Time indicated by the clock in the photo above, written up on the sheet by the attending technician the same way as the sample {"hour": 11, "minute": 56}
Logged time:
{"hour": 8, "minute": 44}
